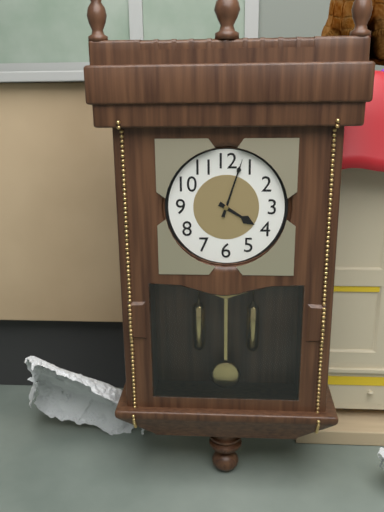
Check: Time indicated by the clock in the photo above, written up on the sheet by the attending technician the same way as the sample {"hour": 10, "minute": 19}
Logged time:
{"hour": 4, "minute": 3}
